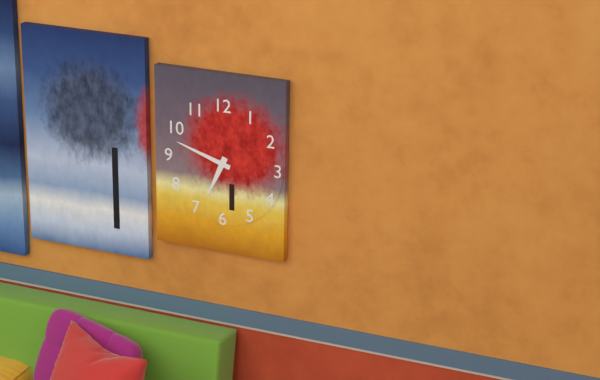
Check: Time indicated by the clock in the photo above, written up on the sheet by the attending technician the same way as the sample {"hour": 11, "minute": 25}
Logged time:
{"hour": 6, "minute": 48}
